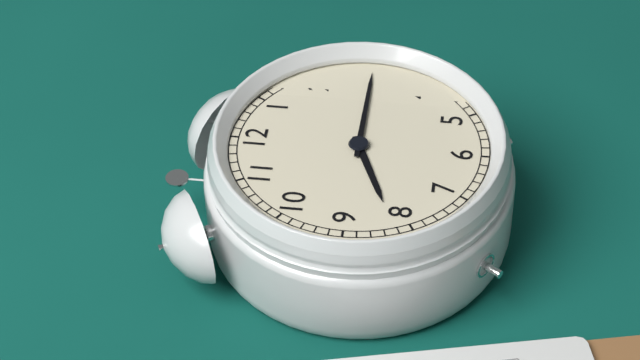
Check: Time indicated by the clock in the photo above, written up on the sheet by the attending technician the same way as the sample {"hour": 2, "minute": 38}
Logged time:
{"hour": 8, "minute": 15}
